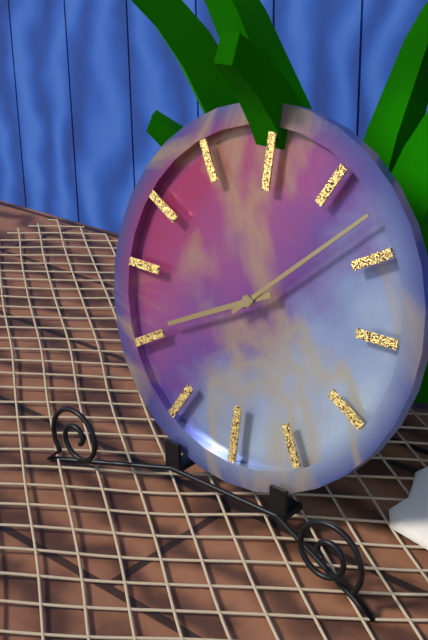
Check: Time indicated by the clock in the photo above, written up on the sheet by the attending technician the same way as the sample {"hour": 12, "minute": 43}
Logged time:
{"hour": 8, "minute": 8}
